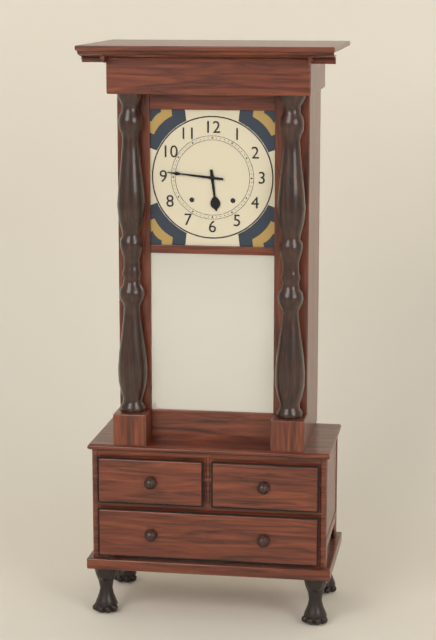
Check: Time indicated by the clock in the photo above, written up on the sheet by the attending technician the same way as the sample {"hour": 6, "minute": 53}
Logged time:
{"hour": 5, "minute": 46}
